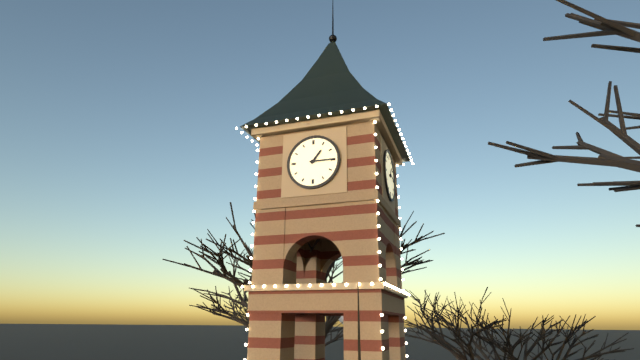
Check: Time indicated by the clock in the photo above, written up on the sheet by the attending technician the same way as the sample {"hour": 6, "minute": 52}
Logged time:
{"hour": 1, "minute": 15}
